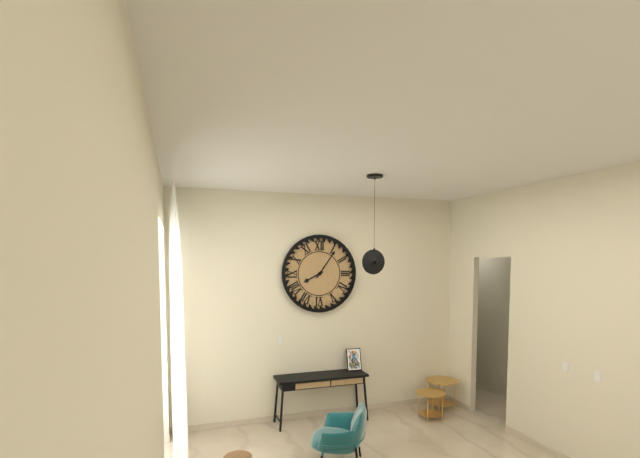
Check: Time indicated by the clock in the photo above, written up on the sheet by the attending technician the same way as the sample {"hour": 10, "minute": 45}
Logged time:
{"hour": 8, "minute": 6}
